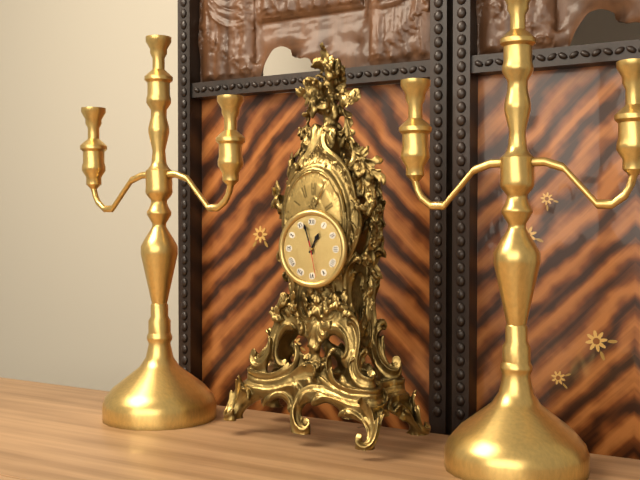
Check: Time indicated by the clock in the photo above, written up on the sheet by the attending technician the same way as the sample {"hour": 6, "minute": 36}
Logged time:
{"hour": 12, "minute": 57}
